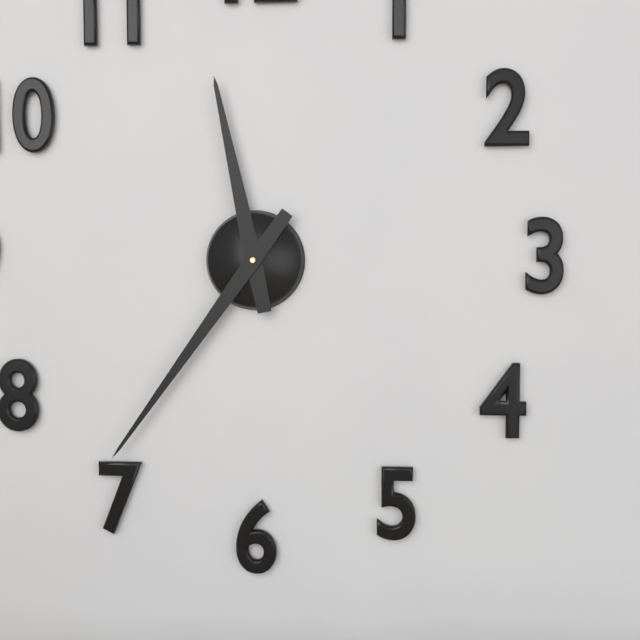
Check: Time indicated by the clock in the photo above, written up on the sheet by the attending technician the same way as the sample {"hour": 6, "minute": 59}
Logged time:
{"hour": 11, "minute": 36}
